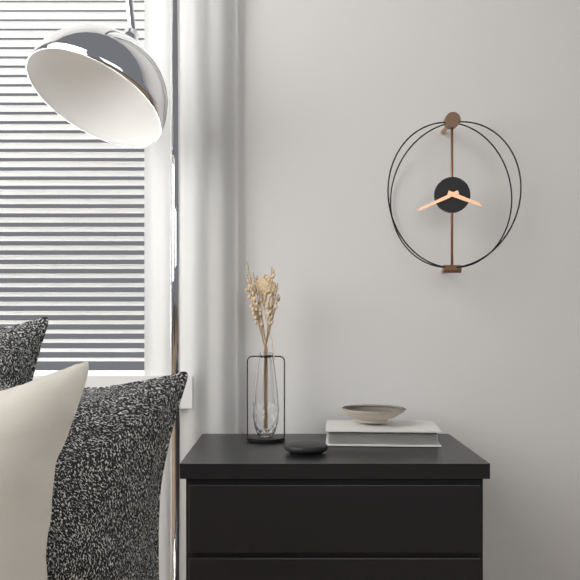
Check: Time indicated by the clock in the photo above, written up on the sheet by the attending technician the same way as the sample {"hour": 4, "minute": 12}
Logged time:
{"hour": 3, "minute": 41}
